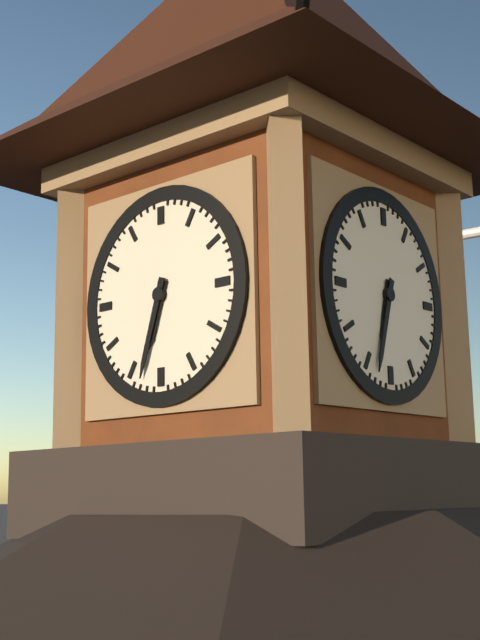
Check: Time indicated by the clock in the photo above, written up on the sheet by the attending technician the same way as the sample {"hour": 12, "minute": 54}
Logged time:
{"hour": 6, "minute": 33}
